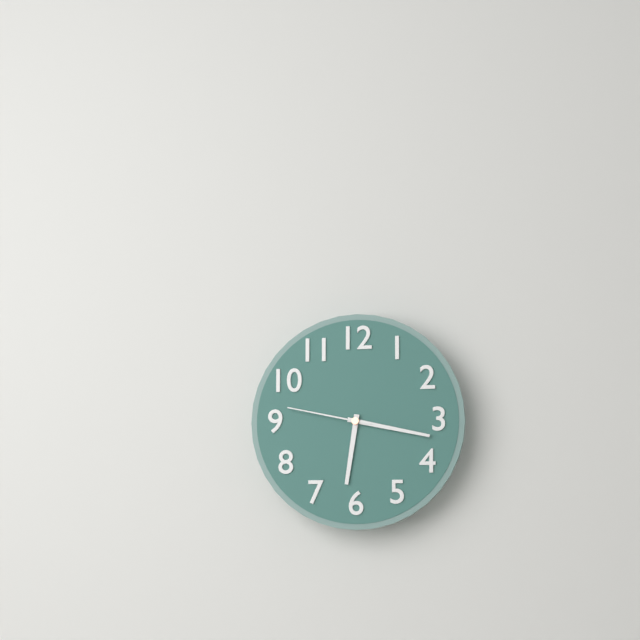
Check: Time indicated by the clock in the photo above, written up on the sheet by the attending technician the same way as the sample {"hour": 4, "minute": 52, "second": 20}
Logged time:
{"hour": 6, "minute": 17, "second": 47}
